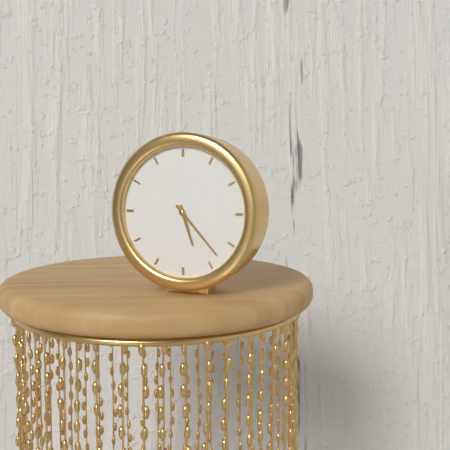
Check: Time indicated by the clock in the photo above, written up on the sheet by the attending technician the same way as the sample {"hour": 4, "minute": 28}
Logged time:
{"hour": 5, "minute": 23}
